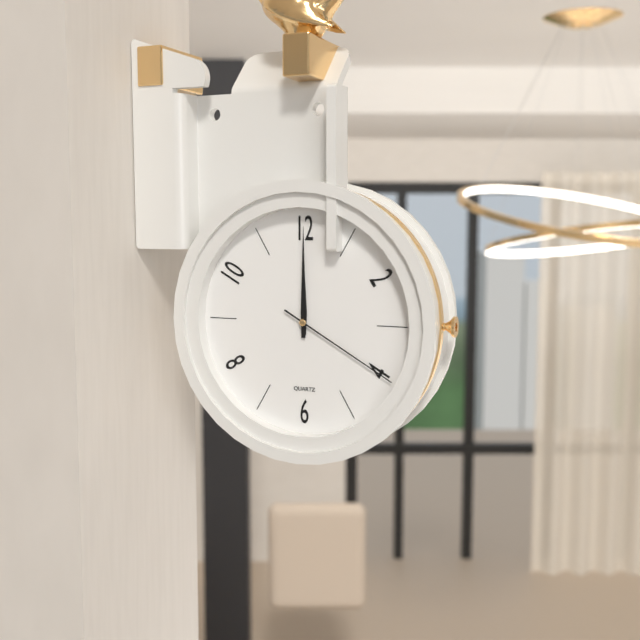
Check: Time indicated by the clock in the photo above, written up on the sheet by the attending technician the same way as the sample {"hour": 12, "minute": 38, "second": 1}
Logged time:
{"hour": 12, "minute": 0, "second": 20}
